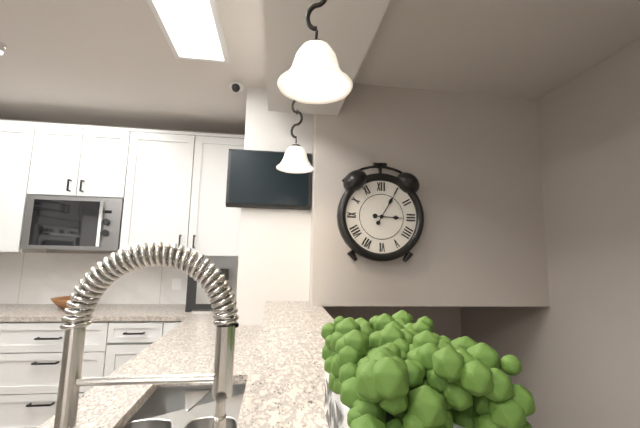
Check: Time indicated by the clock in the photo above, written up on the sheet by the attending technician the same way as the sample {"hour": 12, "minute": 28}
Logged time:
{"hour": 3, "minute": 5}
